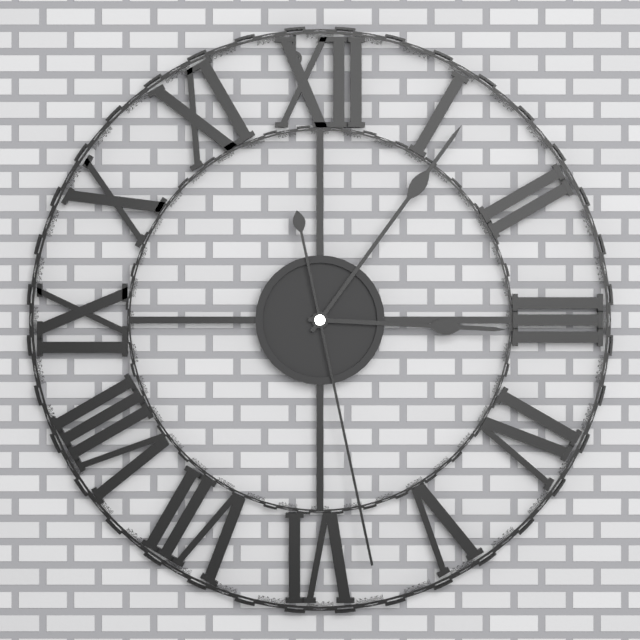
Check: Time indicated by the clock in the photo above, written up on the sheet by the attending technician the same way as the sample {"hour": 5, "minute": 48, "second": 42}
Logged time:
{"hour": 3, "minute": 6, "second": 28}
